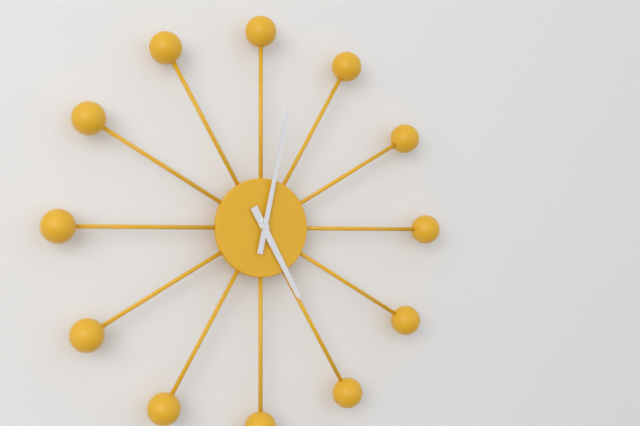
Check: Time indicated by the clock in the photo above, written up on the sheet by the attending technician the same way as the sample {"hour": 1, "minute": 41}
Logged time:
{"hour": 5, "minute": 2}
